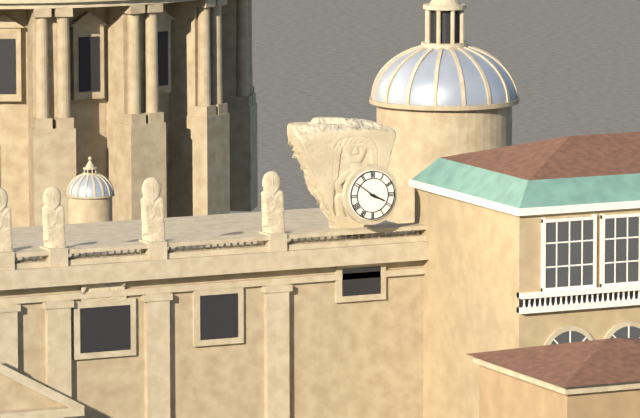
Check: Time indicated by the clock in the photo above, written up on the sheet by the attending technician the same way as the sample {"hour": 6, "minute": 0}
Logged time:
{"hour": 3, "minute": 51}
